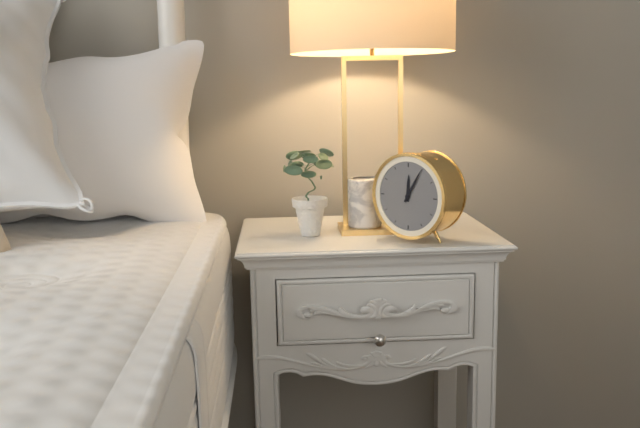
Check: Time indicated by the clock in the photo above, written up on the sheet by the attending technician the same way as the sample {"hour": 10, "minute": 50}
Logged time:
{"hour": 12, "minute": 5}
